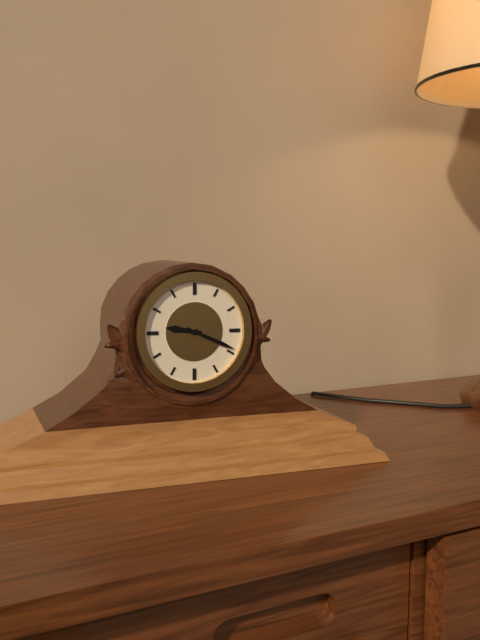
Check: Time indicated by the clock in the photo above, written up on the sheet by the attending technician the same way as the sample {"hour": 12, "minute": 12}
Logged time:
{"hour": 9, "minute": 19}
